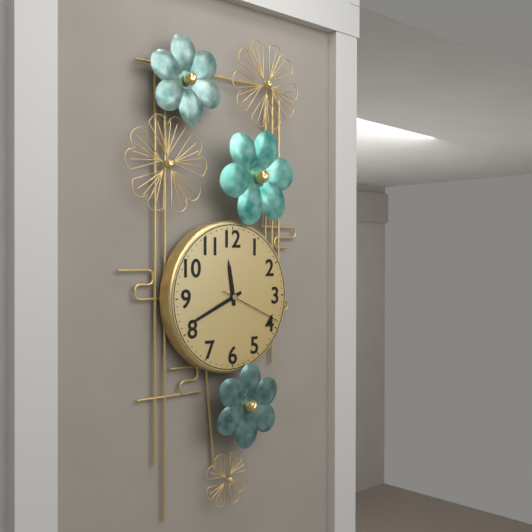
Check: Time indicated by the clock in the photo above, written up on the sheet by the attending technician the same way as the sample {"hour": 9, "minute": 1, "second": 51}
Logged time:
{"hour": 11, "minute": 41, "second": 19}
